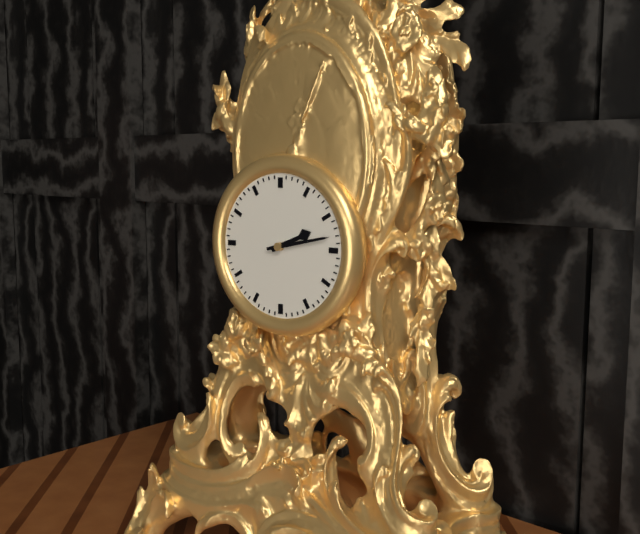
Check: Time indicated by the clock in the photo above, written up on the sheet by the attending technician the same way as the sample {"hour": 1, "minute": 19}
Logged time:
{"hour": 2, "minute": 13}
